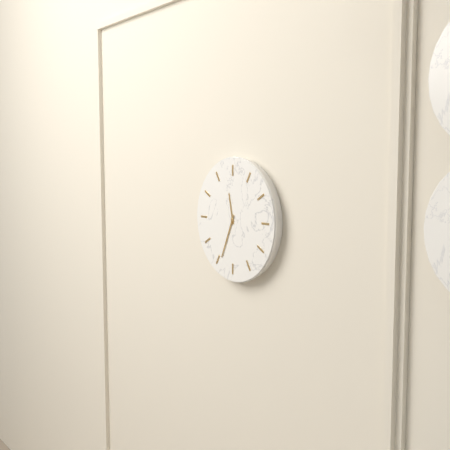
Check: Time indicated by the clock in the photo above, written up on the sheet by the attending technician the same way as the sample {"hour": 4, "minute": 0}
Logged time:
{"hour": 11, "minute": 34}
